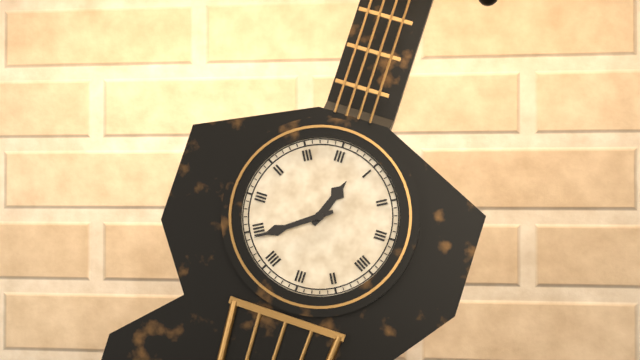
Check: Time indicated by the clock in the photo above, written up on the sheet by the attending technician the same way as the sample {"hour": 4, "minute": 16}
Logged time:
{"hour": 12, "minute": 39}
